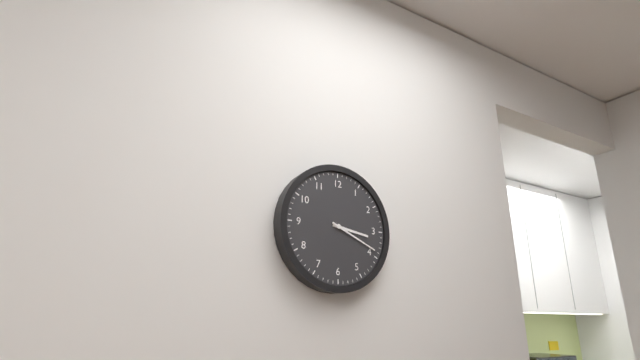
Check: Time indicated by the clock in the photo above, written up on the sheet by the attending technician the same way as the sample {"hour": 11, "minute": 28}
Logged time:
{"hour": 3, "minute": 19}
